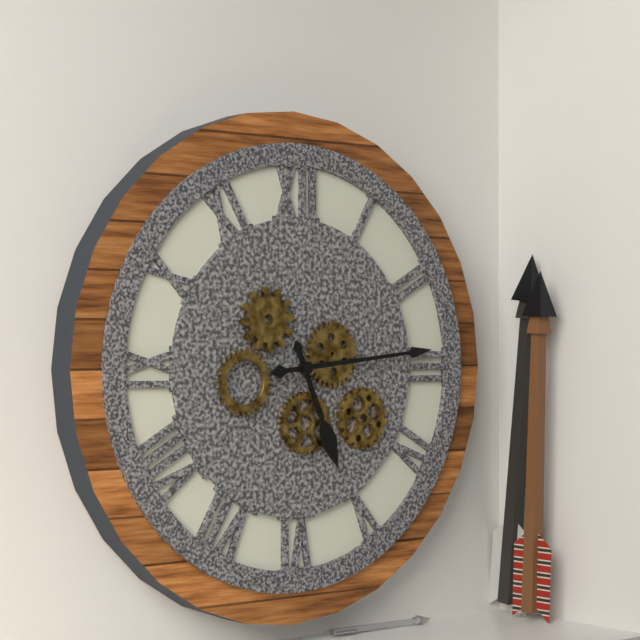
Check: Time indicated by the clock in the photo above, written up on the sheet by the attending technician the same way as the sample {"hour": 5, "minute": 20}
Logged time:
{"hour": 5, "minute": 14}
